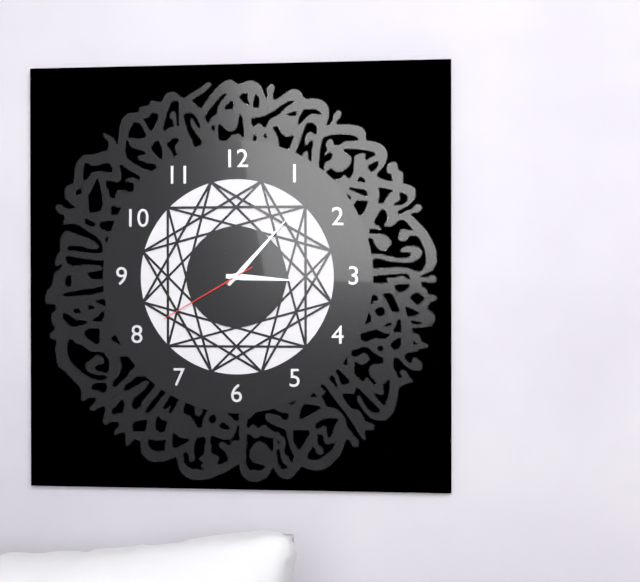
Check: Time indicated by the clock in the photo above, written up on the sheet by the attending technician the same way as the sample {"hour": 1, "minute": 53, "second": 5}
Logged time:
{"hour": 3, "minute": 7, "second": 40}
